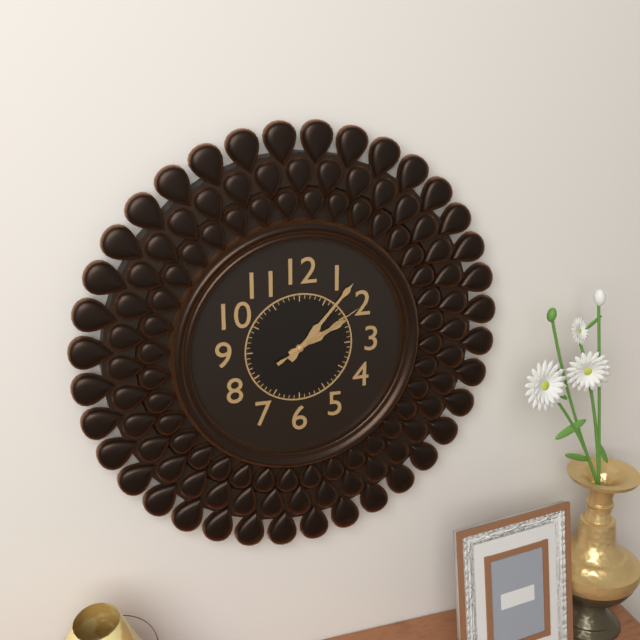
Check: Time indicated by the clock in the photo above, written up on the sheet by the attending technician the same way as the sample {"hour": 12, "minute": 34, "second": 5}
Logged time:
{"hour": 2, "minute": 7, "second": 10}
